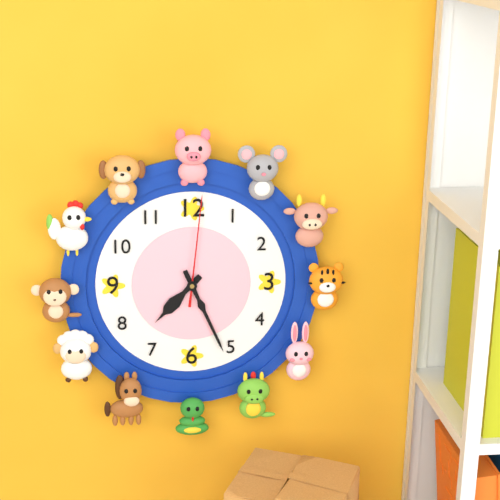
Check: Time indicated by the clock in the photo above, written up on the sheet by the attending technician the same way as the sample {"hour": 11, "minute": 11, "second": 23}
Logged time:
{"hour": 7, "minute": 26, "second": 1}
